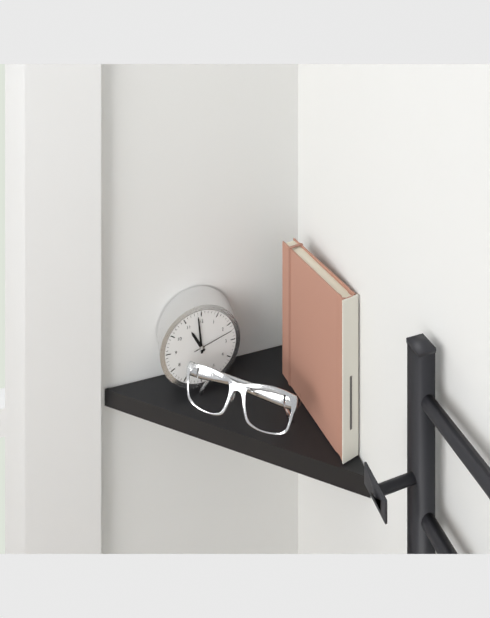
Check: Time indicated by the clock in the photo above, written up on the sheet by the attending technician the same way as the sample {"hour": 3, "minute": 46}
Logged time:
{"hour": 10, "minute": 59}
